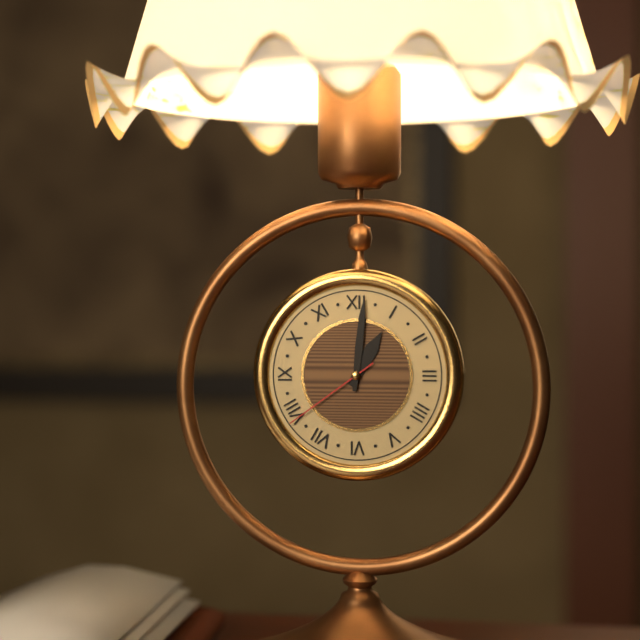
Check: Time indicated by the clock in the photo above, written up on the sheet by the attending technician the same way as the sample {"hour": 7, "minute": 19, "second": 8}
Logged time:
{"hour": 1, "minute": 1, "second": 39}
